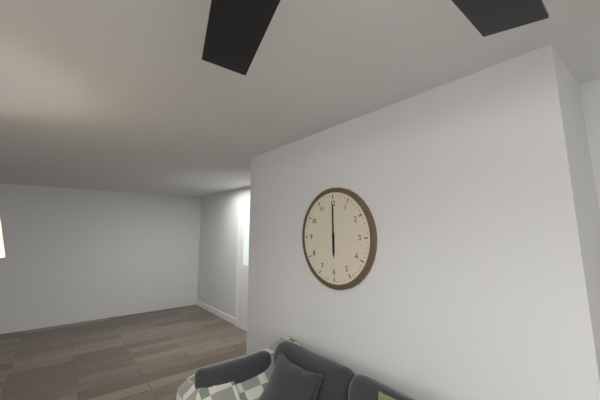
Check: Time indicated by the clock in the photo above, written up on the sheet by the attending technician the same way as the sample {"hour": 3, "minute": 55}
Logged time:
{"hour": 6, "minute": 0}
